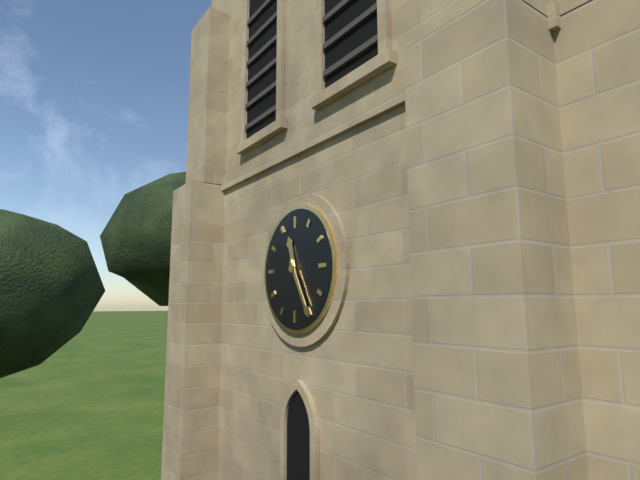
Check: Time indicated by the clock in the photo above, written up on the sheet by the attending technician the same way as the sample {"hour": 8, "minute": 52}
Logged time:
{"hour": 11, "minute": 25}
